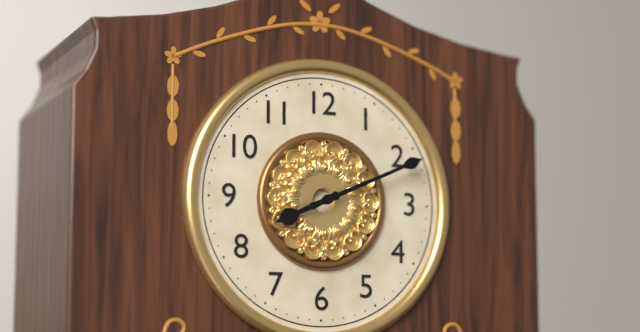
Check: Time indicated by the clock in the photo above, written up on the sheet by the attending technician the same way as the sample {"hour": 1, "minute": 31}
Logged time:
{"hour": 8, "minute": 11}
